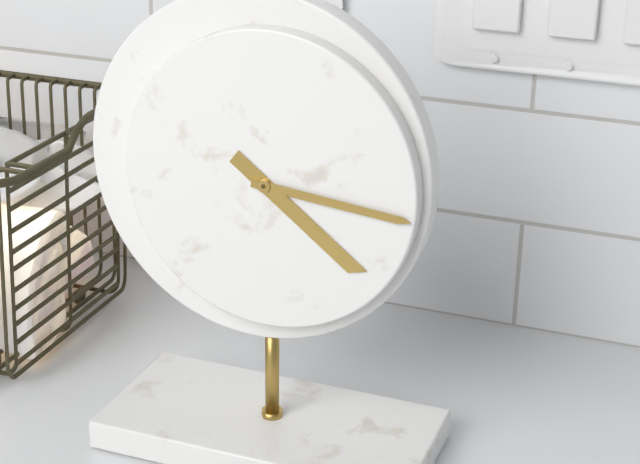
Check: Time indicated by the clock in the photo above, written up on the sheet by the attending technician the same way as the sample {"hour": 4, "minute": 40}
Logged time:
{"hour": 4, "minute": 16}
